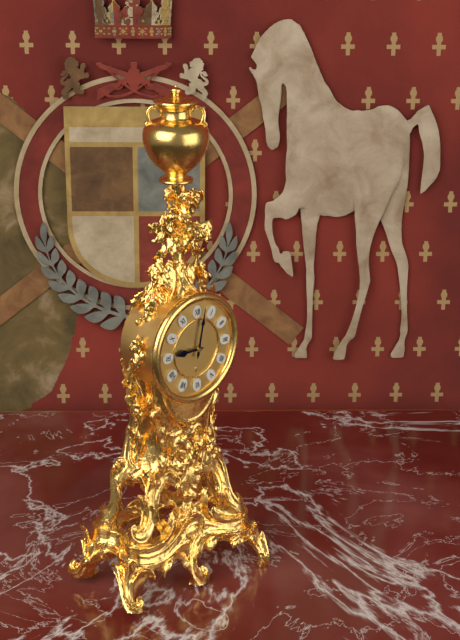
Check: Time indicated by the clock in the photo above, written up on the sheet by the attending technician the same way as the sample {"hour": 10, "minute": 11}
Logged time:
{"hour": 9, "minute": 2}
